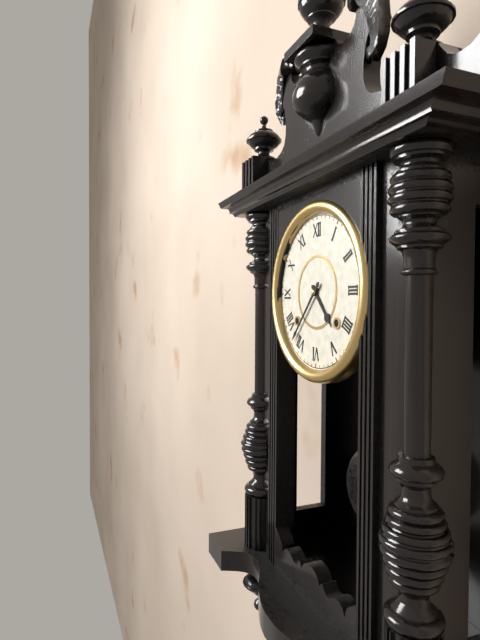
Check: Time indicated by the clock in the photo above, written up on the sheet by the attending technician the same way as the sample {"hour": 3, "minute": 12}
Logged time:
{"hour": 4, "minute": 37}
